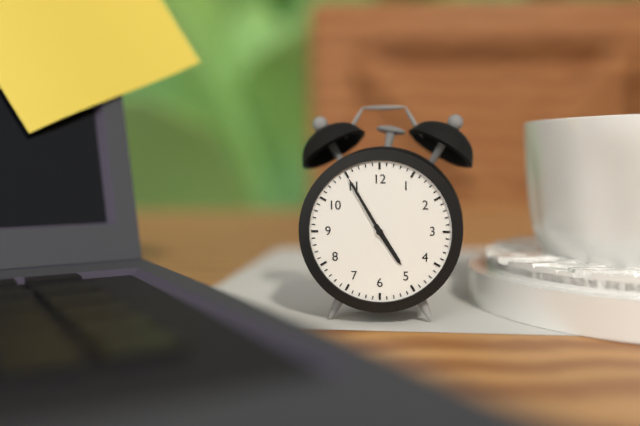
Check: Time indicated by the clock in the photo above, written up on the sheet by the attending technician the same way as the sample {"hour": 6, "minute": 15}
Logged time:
{"hour": 4, "minute": 55}
